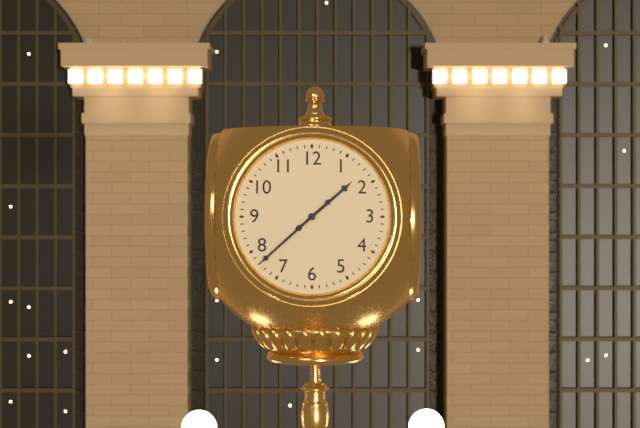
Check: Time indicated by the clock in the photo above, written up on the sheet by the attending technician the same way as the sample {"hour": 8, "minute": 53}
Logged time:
{"hour": 1, "minute": 38}
